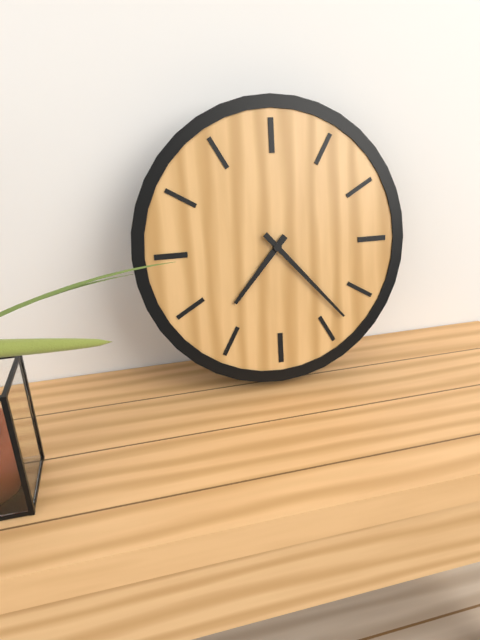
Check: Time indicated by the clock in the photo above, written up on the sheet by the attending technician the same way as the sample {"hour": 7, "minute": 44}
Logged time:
{"hour": 7, "minute": 23}
